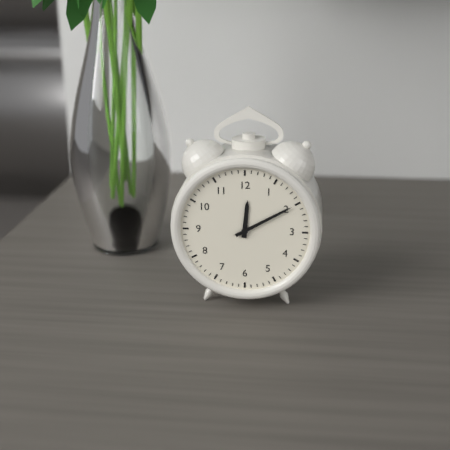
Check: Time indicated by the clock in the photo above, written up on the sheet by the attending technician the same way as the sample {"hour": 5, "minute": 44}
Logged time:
{"hour": 12, "minute": 10}
